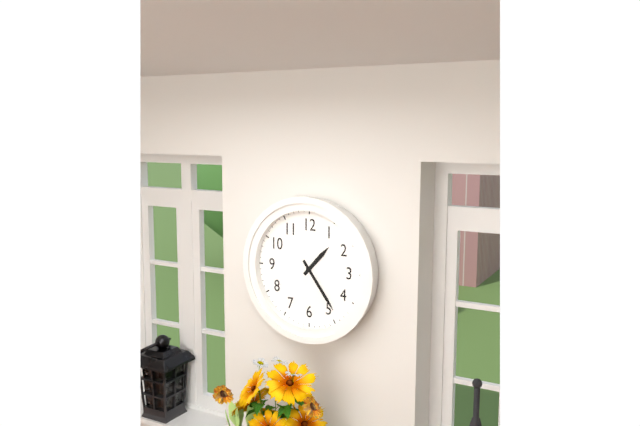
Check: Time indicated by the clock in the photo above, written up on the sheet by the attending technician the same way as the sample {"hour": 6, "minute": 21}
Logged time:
{"hour": 1, "minute": 24}
